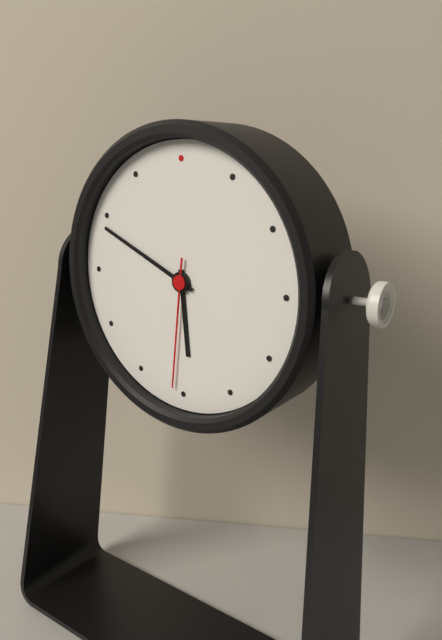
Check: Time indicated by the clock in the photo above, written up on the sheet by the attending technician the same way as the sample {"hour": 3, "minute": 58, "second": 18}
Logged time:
{"hour": 5, "minute": 49, "second": 31}
